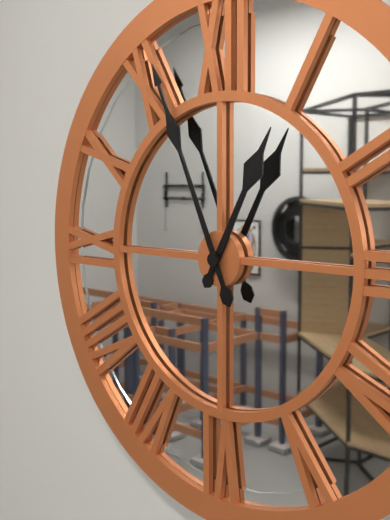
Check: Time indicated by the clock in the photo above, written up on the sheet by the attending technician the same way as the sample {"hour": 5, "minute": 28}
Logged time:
{"hour": 12, "minute": 56}
